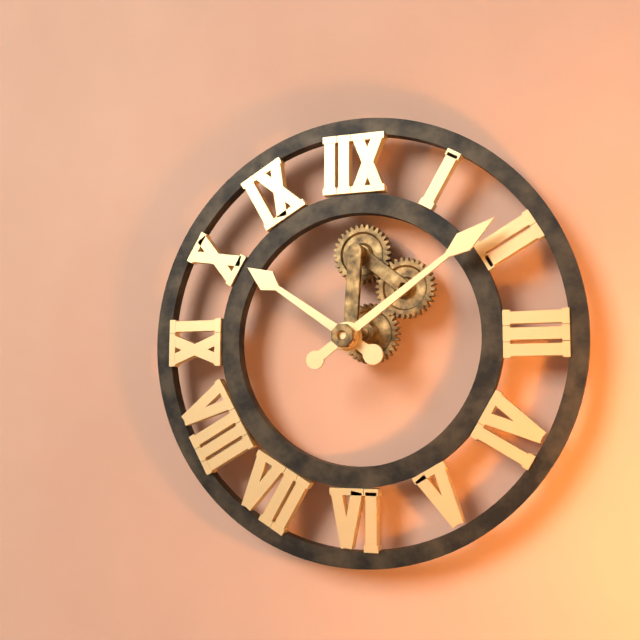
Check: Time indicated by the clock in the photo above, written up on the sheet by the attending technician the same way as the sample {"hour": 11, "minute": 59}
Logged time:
{"hour": 10, "minute": 9}
